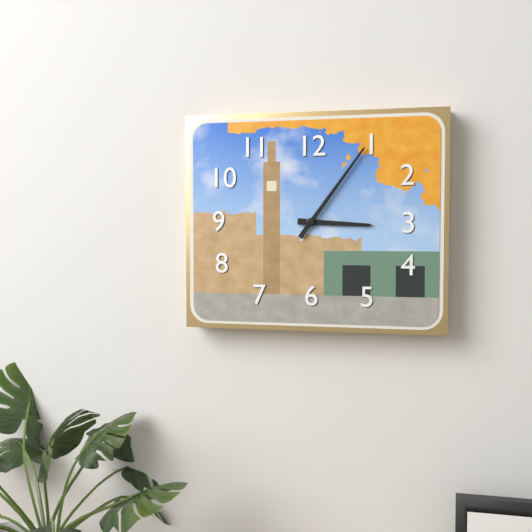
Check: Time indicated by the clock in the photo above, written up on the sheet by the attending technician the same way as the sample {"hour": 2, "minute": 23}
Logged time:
{"hour": 3, "minute": 6}
